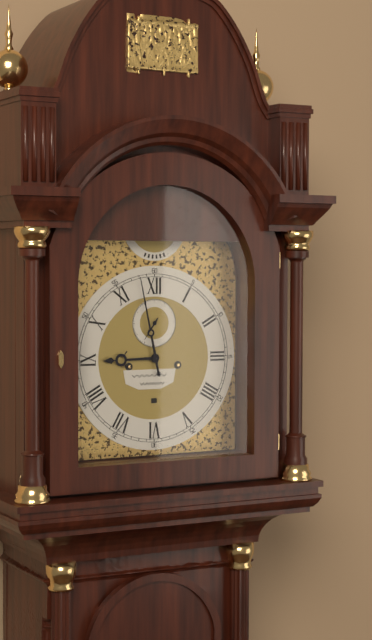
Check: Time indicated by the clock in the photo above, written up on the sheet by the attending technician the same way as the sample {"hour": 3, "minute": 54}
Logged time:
{"hour": 8, "minute": 58}
